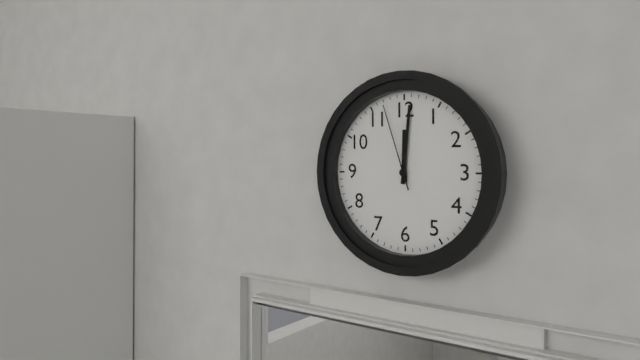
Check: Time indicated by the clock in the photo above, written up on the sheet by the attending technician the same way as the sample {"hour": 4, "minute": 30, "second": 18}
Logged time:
{"hour": 12, "minute": 1, "second": 57}
